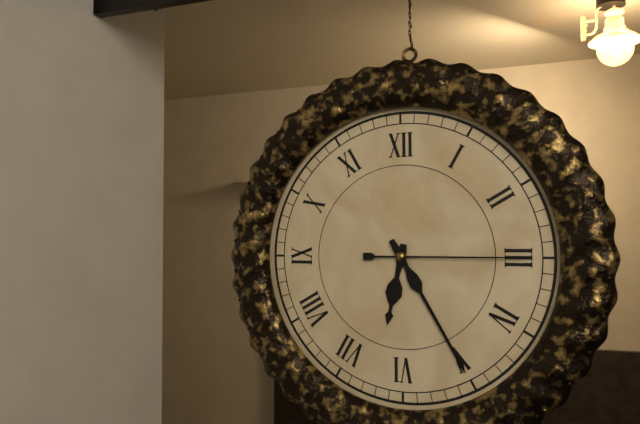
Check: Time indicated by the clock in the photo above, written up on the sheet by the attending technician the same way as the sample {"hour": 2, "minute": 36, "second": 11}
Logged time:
{"hour": 6, "minute": 25, "second": 15}
